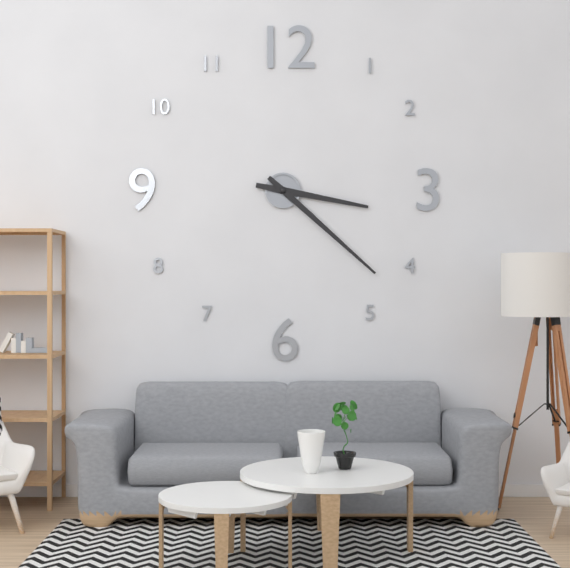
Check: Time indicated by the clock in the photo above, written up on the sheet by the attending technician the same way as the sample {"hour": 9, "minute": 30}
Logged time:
{"hour": 3, "minute": 22}
